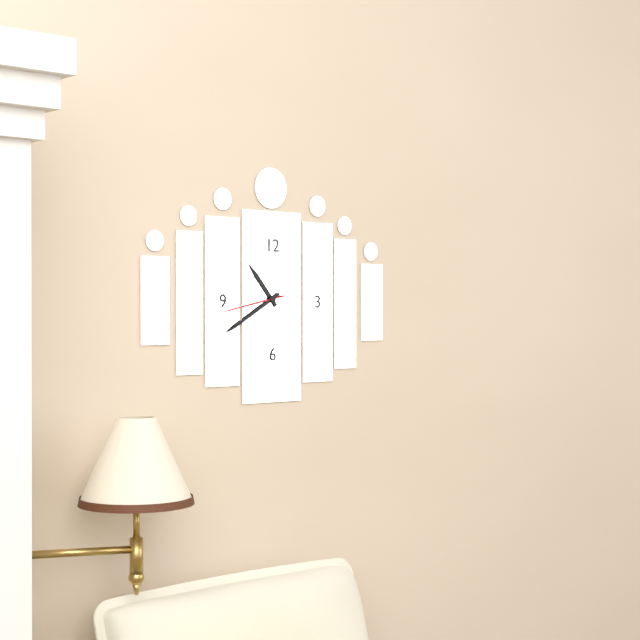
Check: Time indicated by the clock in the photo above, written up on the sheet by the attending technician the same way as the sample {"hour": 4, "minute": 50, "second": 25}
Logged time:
{"hour": 10, "minute": 40, "second": 43}
